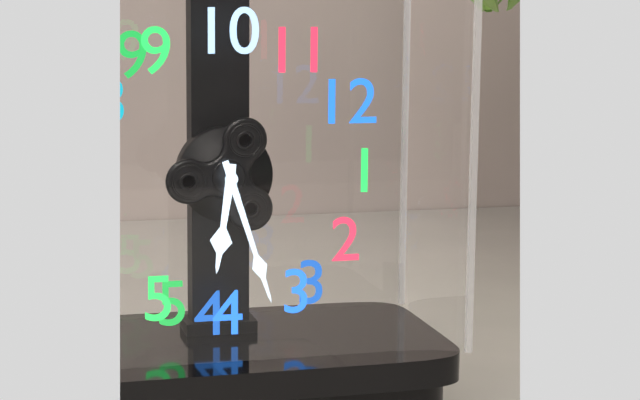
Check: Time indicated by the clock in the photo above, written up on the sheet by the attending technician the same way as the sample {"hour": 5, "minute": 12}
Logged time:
{"hour": 4, "minute": 17}
